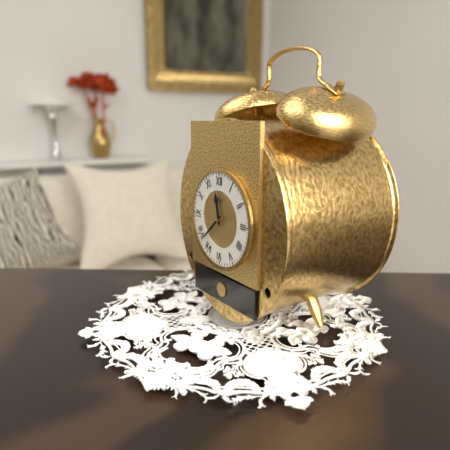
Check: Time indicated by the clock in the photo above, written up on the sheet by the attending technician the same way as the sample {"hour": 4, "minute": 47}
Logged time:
{"hour": 11, "minute": 38}
